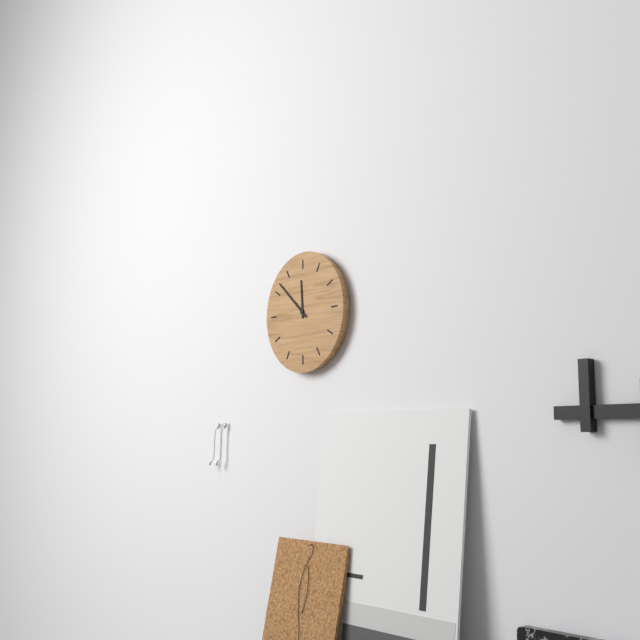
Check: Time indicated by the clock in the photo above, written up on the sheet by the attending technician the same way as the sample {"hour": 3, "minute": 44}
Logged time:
{"hour": 11, "minute": 52}
